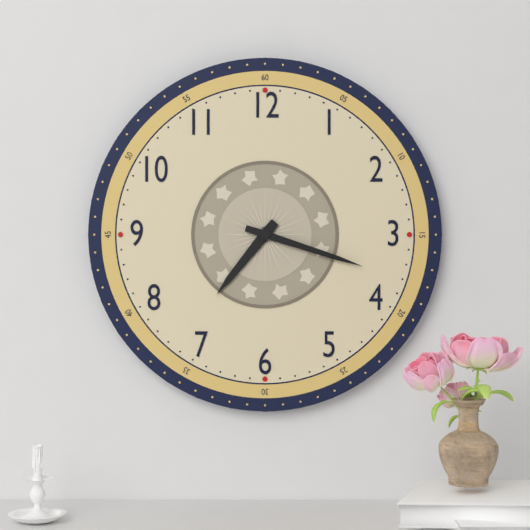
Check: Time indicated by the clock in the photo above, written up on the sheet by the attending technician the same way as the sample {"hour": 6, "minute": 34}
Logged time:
{"hour": 7, "minute": 18}
